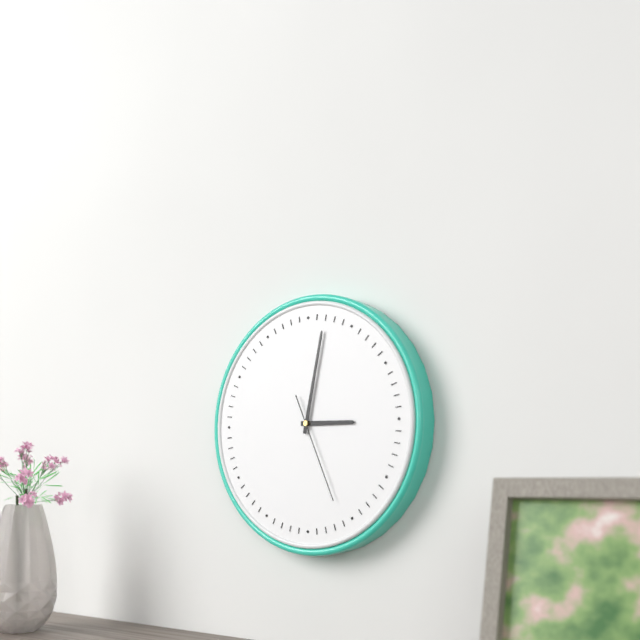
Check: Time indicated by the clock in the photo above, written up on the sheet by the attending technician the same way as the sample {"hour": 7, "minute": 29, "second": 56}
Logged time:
{"hour": 3, "minute": 2, "second": 26}
